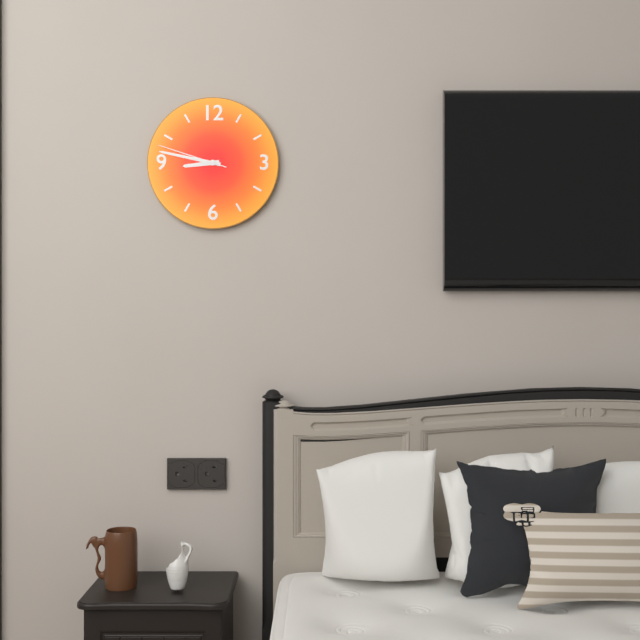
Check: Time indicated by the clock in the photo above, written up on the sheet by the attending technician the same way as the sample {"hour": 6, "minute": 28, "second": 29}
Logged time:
{"hour": 8, "minute": 47, "second": 48}
